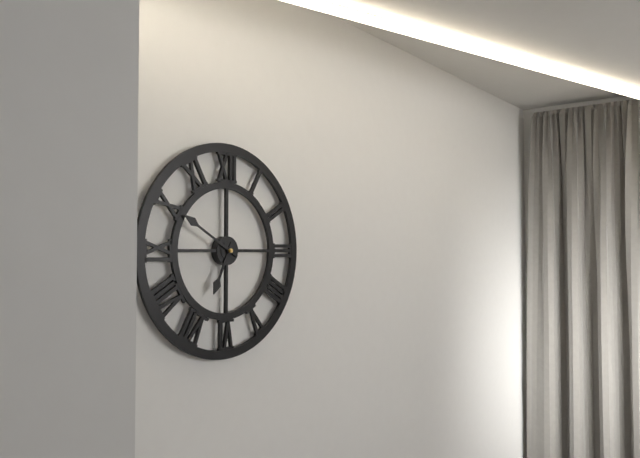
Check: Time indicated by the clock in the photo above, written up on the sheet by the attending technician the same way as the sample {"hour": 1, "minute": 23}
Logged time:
{"hour": 6, "minute": 50}
